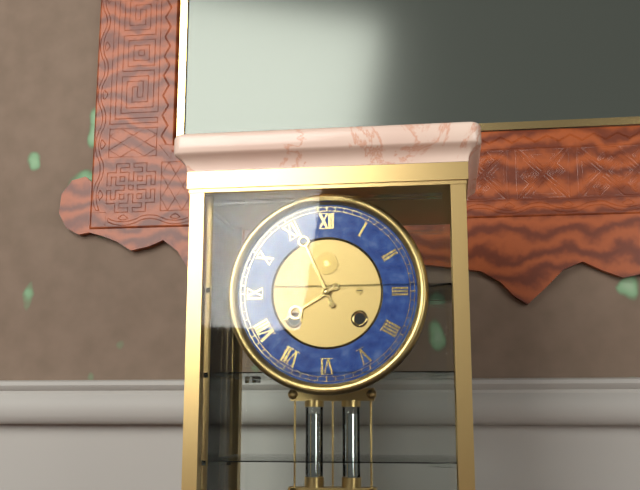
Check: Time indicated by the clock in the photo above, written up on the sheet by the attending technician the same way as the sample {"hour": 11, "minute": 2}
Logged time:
{"hour": 7, "minute": 56}
